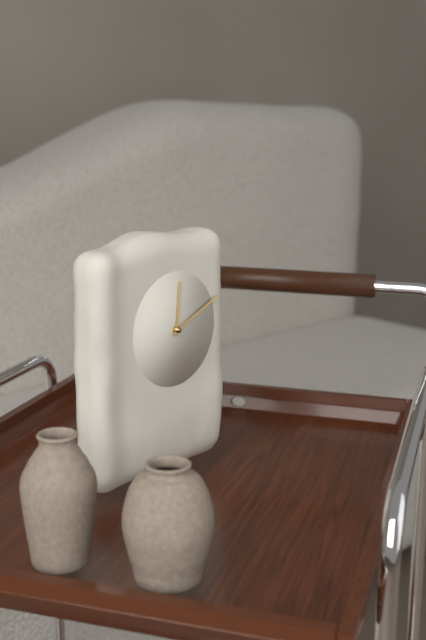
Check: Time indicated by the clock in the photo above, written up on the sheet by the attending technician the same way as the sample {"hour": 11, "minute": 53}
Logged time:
{"hour": 12, "minute": 11}
